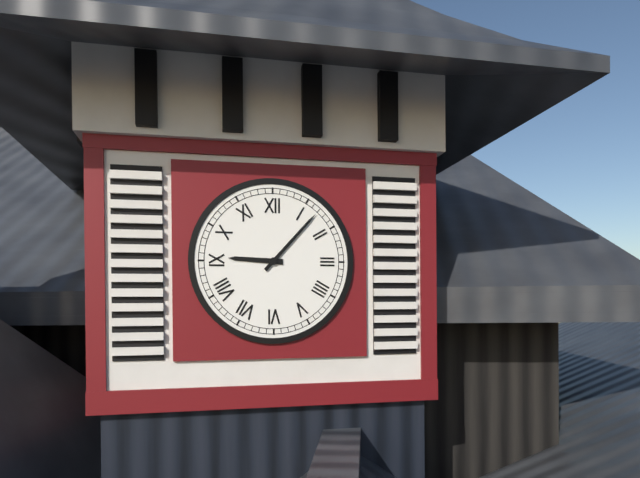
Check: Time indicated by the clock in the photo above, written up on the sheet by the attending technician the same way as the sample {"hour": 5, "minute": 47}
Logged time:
{"hour": 9, "minute": 7}
